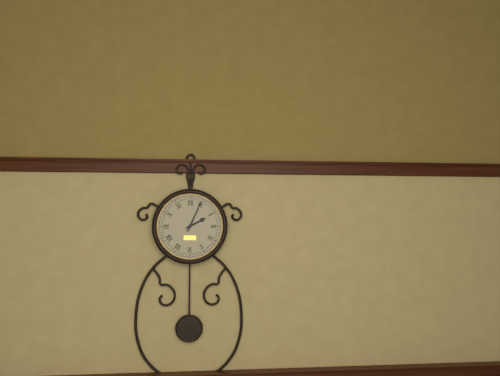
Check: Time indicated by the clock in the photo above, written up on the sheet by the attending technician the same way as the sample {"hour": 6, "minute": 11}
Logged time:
{"hour": 2, "minute": 4}
